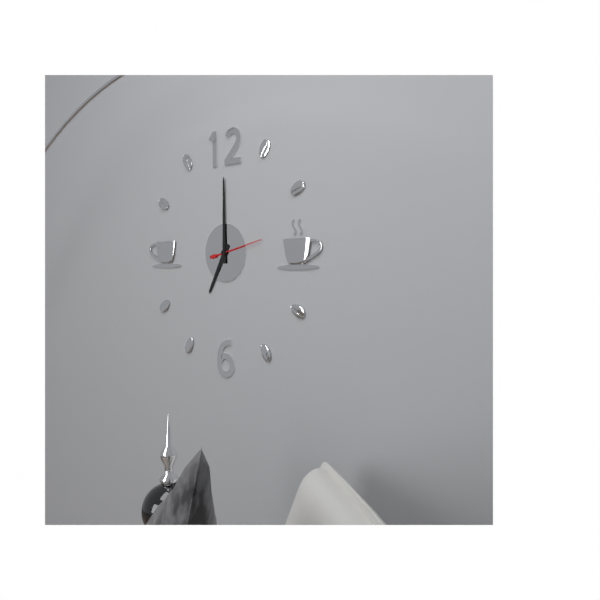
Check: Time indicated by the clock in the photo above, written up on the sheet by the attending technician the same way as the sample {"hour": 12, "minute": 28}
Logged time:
{"hour": 7, "minute": 0}
